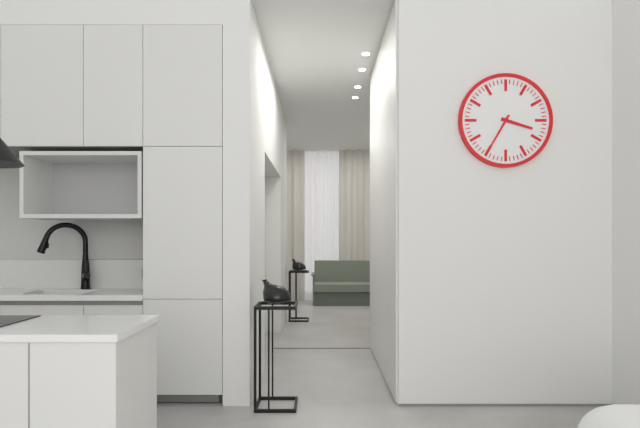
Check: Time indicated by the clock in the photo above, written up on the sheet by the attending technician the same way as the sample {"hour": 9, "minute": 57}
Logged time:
{"hour": 3, "minute": 35}
